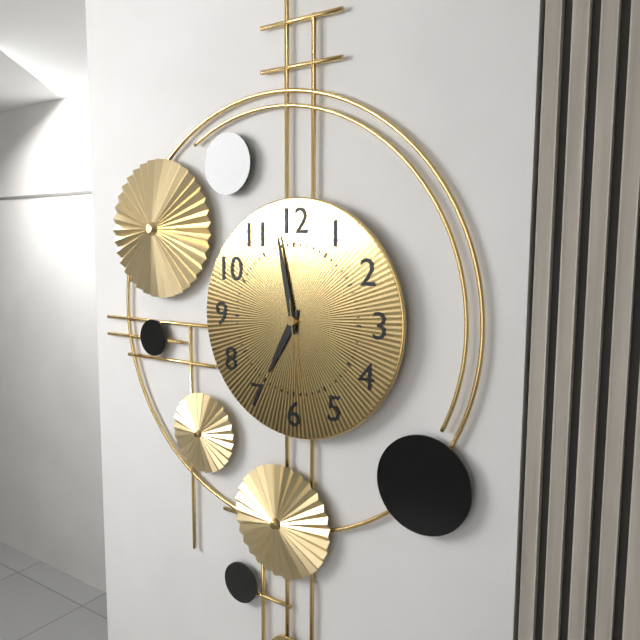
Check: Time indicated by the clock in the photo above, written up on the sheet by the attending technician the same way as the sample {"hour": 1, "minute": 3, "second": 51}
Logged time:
{"hour": 6, "minute": 58, "second": 29}
